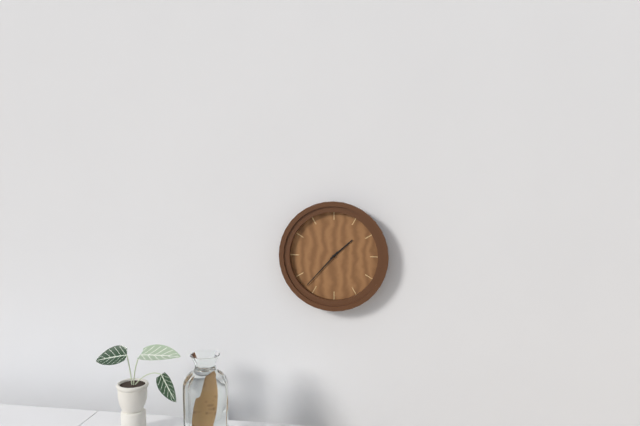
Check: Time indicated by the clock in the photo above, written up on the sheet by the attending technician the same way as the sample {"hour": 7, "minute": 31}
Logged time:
{"hour": 1, "minute": 37}
